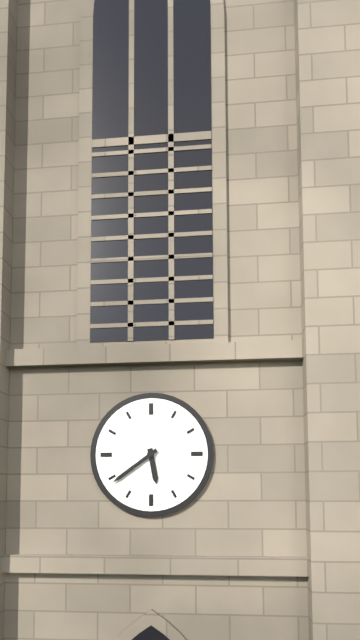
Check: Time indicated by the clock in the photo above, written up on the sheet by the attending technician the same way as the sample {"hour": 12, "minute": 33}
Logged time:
{"hour": 5, "minute": 39}
